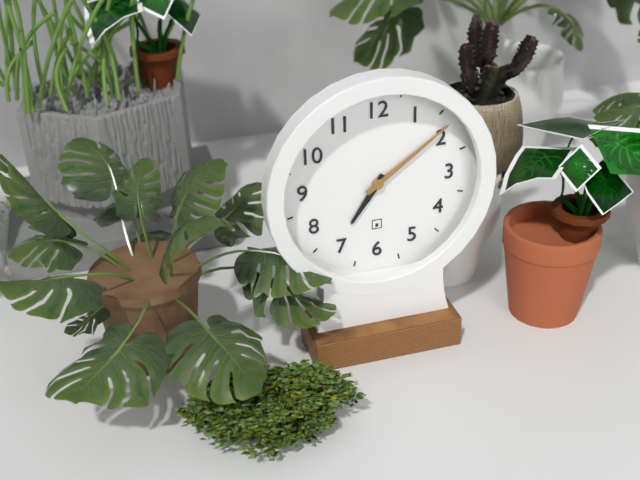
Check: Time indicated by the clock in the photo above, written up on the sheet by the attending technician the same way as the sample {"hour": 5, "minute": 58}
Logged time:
{"hour": 7, "minute": 9}
